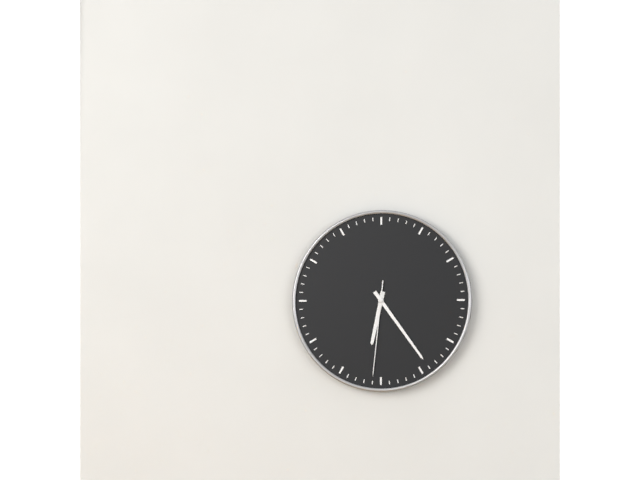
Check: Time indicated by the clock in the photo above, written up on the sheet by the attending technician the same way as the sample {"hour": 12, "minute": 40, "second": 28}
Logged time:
{"hour": 6, "minute": 24, "second": 31}
